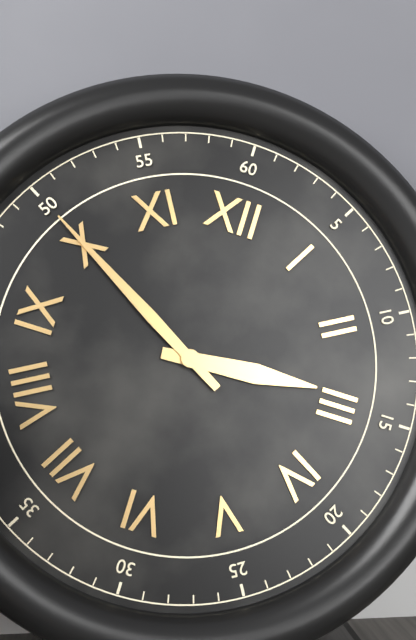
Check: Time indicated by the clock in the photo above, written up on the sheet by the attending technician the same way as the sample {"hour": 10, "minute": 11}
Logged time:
{"hour": 2, "minute": 50}
